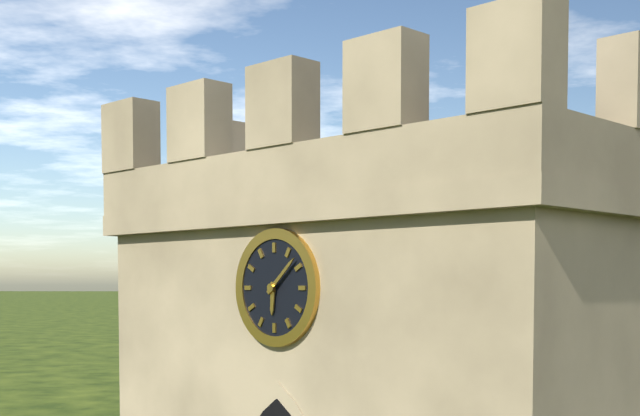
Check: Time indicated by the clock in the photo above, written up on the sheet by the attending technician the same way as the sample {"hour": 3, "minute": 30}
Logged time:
{"hour": 6, "minute": 8}
